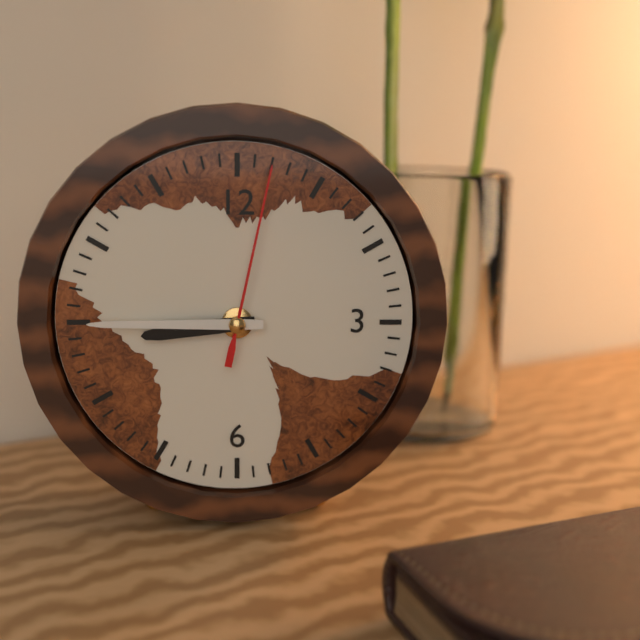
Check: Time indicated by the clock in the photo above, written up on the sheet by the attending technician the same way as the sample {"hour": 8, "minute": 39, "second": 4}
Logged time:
{"hour": 8, "minute": 45, "second": 2}
